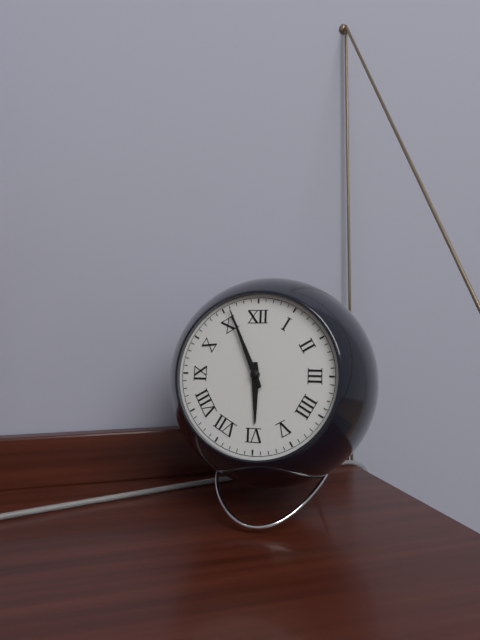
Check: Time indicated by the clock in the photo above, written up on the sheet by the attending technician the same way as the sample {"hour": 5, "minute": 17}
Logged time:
{"hour": 5, "minute": 56}
